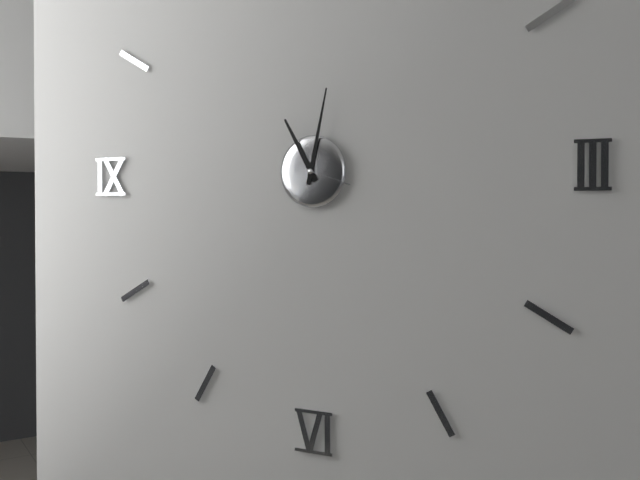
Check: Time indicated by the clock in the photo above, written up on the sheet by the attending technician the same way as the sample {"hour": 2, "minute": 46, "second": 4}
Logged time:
{"hour": 11, "minute": 2, "second": 18}
